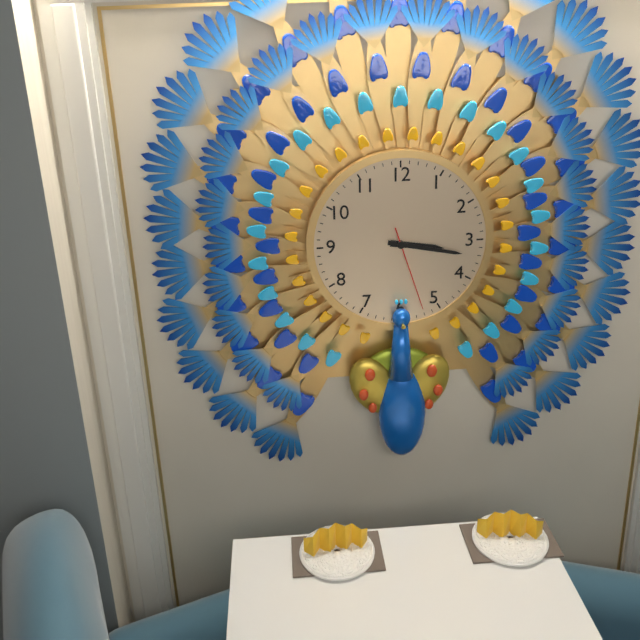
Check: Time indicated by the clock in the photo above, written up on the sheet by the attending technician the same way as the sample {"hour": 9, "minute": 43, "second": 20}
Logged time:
{"hour": 3, "minute": 17, "second": 27}
